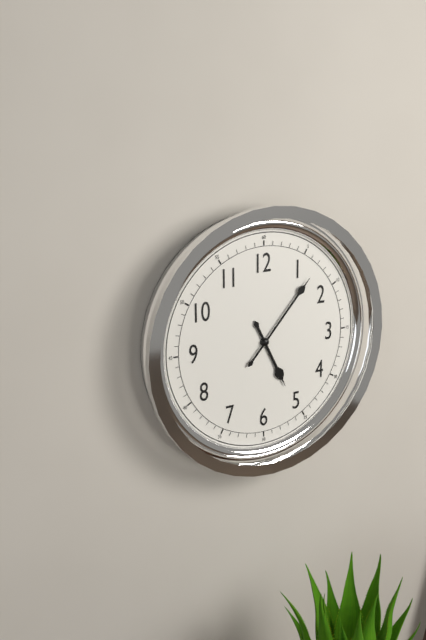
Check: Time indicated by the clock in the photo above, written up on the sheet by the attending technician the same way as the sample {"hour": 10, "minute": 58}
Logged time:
{"hour": 5, "minute": 7}
